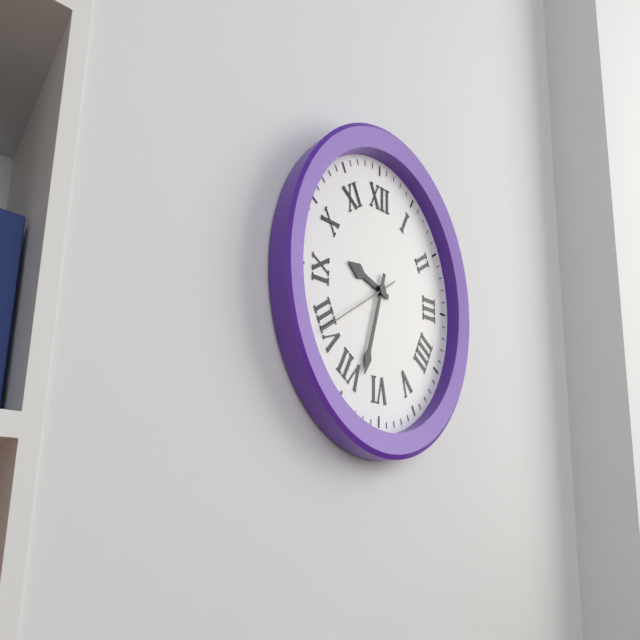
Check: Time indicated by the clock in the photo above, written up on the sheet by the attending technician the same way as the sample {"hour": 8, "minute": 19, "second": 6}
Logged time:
{"hour": 9, "minute": 33, "second": 40}
